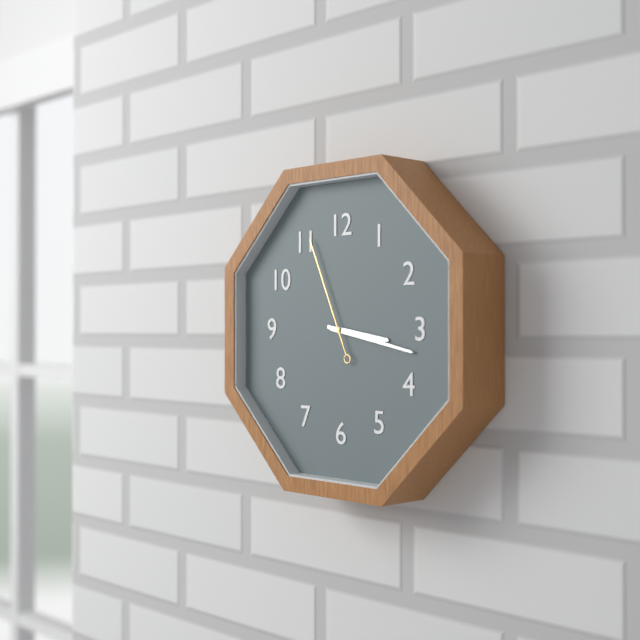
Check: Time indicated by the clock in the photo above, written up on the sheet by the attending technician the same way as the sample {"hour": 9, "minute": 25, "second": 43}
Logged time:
{"hour": 3, "minute": 17, "second": 56}
